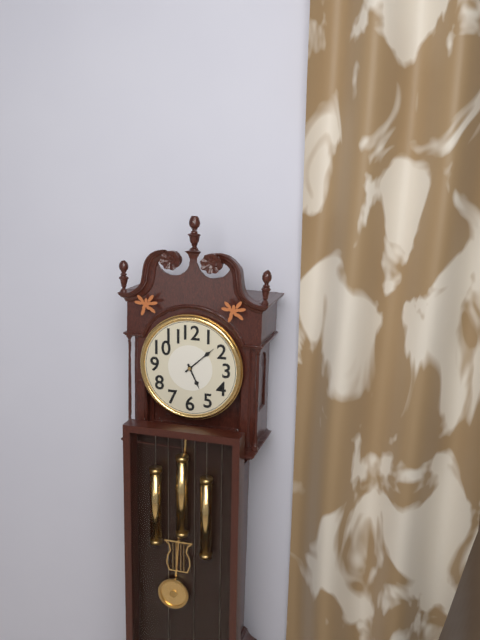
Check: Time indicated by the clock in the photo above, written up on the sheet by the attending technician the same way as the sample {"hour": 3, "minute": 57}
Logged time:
{"hour": 5, "minute": 8}
